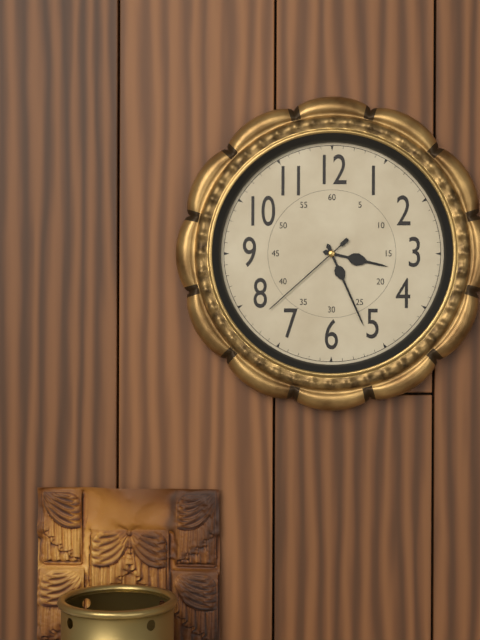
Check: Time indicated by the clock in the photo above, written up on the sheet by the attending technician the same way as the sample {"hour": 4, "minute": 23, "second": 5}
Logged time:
{"hour": 3, "minute": 26, "second": 38}
